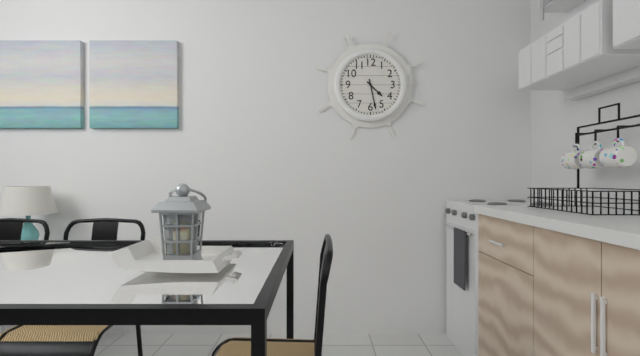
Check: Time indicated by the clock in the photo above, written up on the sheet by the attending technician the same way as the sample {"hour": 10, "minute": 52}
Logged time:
{"hour": 4, "minute": 28}
